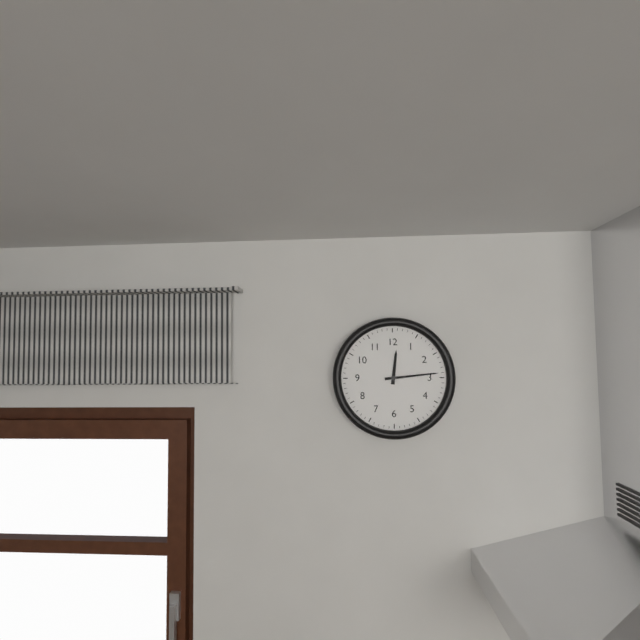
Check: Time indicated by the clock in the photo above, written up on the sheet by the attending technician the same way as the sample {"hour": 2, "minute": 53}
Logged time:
{"hour": 12, "minute": 14}
